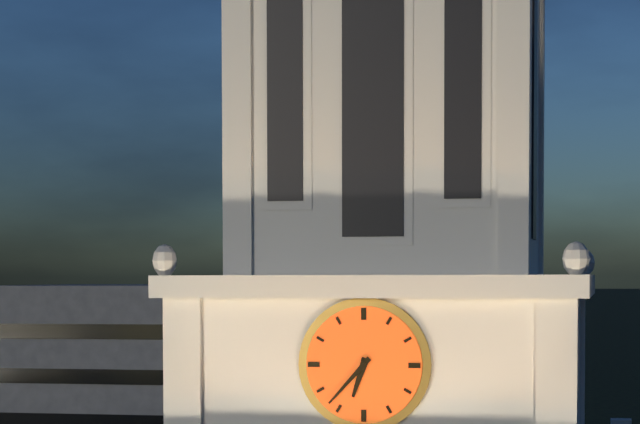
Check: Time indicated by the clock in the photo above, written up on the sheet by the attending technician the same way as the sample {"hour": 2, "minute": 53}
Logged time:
{"hour": 6, "minute": 37}
